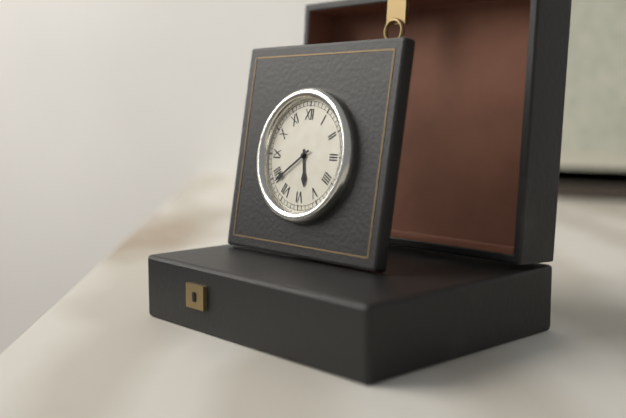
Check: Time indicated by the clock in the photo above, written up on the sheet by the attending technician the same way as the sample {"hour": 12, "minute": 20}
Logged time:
{"hour": 5, "minute": 39}
